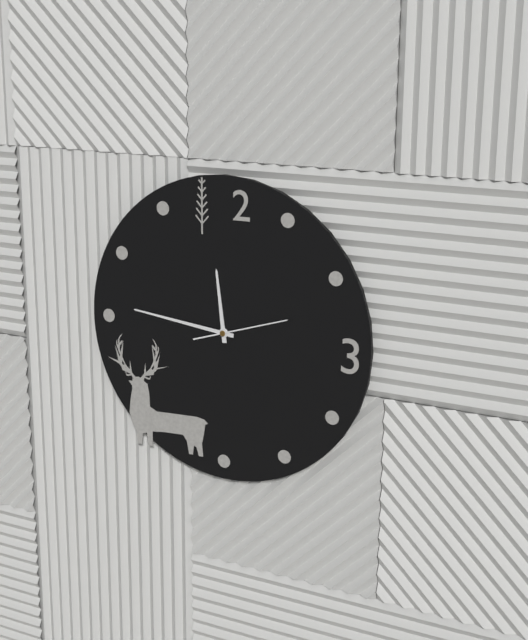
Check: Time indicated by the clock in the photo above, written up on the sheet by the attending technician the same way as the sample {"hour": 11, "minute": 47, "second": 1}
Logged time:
{"hour": 11, "minute": 46, "second": 12}
